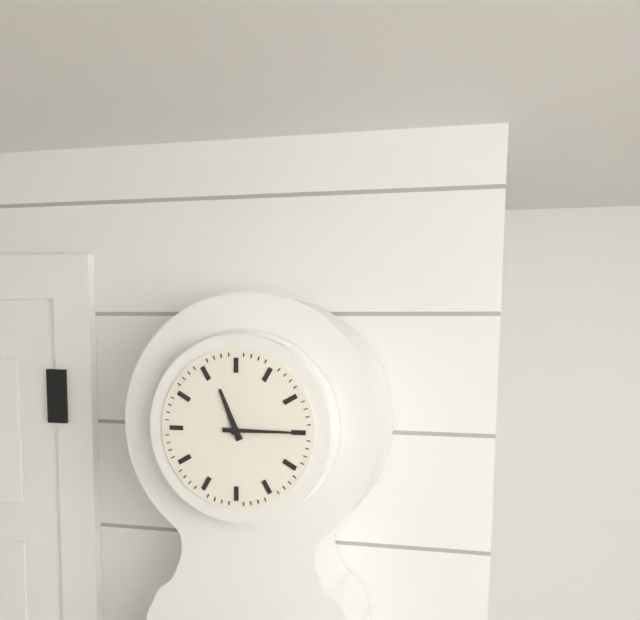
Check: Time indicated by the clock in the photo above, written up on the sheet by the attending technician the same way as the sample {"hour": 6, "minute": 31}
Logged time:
{"hour": 11, "minute": 15}
